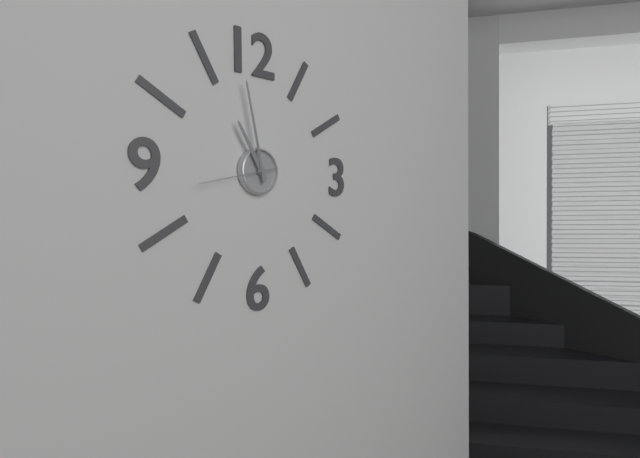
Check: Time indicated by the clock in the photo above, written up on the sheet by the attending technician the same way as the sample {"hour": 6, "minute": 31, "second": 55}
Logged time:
{"hour": 10, "minute": 58, "second": 43}
